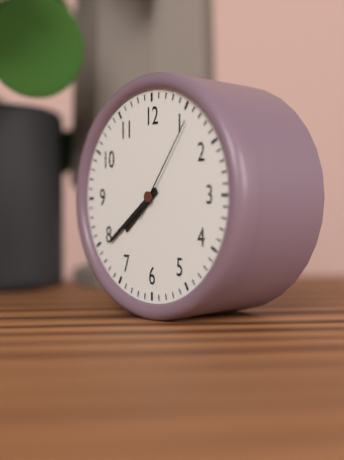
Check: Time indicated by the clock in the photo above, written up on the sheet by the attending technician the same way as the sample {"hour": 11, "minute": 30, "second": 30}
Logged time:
{"hour": 7, "minute": 39, "second": 6}
